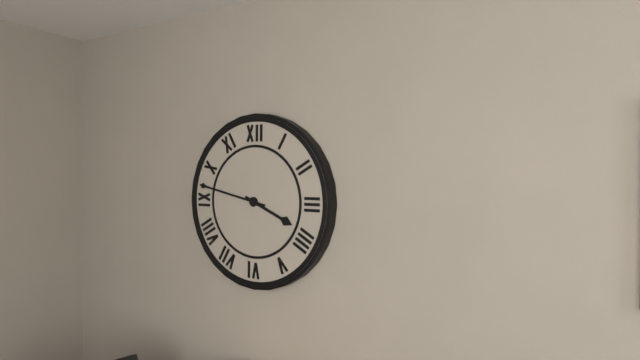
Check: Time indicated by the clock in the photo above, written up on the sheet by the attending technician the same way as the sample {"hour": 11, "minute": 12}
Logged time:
{"hour": 3, "minute": 47}
